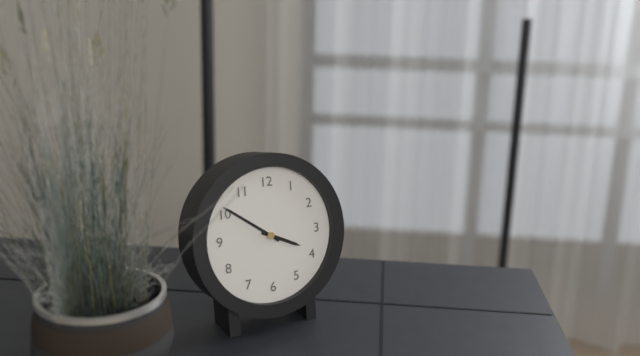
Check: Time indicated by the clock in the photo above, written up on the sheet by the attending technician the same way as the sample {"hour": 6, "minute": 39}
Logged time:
{"hour": 3, "minute": 51}
